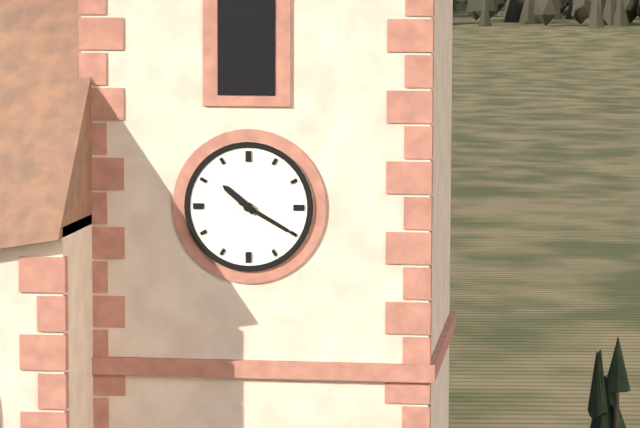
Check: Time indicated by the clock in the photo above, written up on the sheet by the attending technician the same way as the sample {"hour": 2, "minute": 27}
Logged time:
{"hour": 10, "minute": 20}
